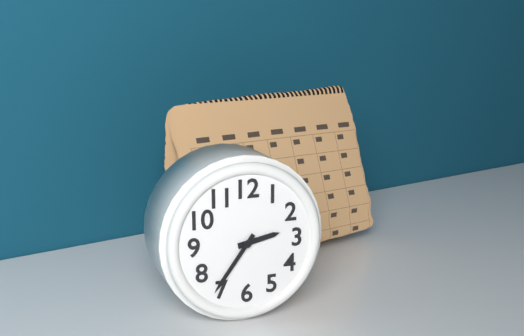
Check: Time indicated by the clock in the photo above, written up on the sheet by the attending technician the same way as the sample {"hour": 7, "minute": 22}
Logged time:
{"hour": 2, "minute": 36}
